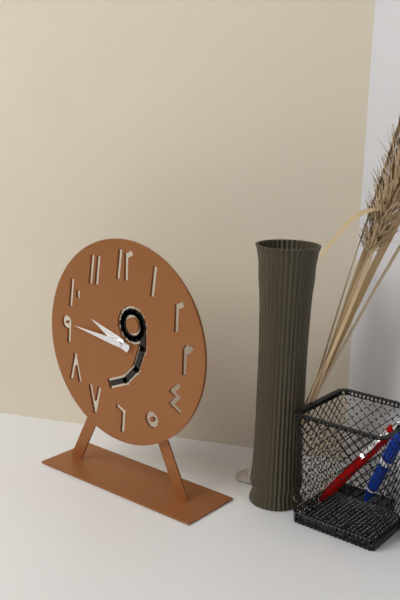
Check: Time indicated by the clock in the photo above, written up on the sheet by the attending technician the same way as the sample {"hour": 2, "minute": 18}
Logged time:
{"hour": 9, "minute": 46}
